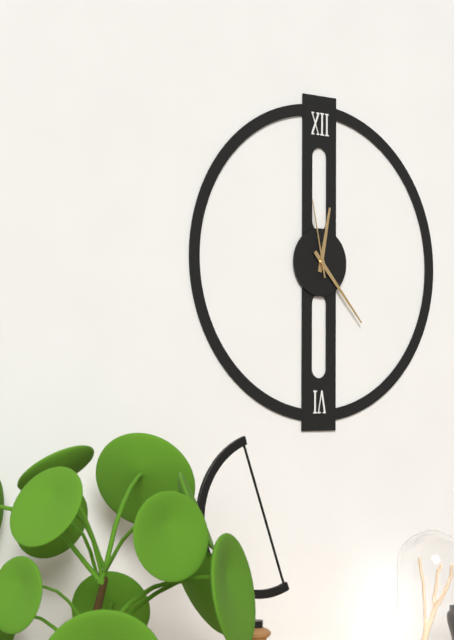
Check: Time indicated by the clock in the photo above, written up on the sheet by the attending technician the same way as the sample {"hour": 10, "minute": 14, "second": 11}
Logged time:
{"hour": 12, "minute": 23, "second": 58}
